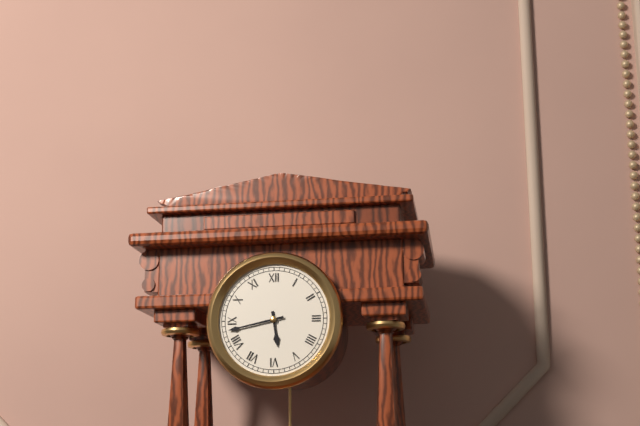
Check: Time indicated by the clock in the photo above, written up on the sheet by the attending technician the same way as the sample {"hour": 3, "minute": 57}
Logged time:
{"hour": 5, "minute": 43}
